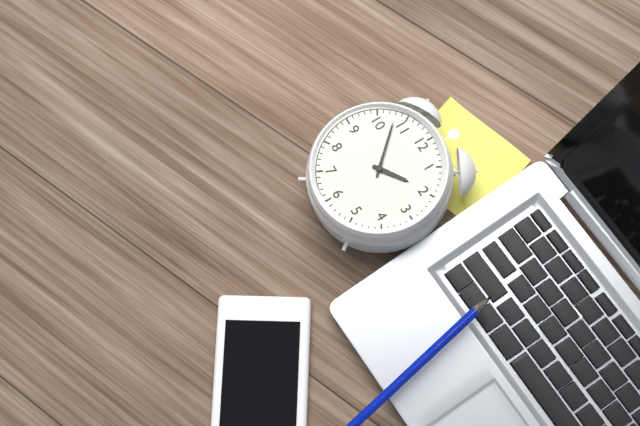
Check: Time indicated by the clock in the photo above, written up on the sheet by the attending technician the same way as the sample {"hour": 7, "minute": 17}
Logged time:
{"hour": 1, "minute": 53}
